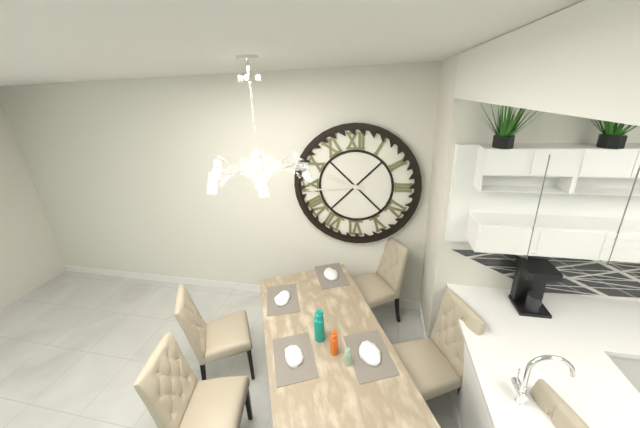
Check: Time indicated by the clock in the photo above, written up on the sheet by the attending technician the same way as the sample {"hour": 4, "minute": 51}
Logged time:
{"hour": 9, "minute": 44}
